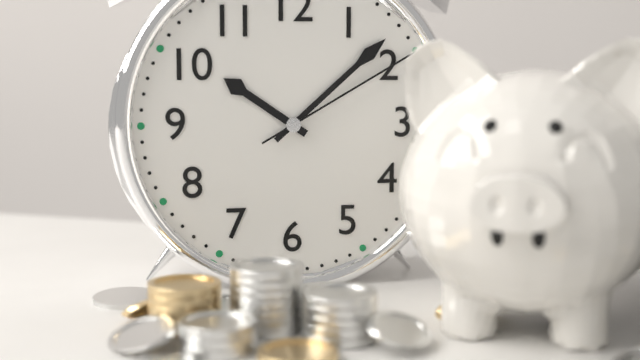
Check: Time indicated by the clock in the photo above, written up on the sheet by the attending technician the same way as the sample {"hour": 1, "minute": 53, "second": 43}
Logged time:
{"hour": 10, "minute": 8, "second": 10}
